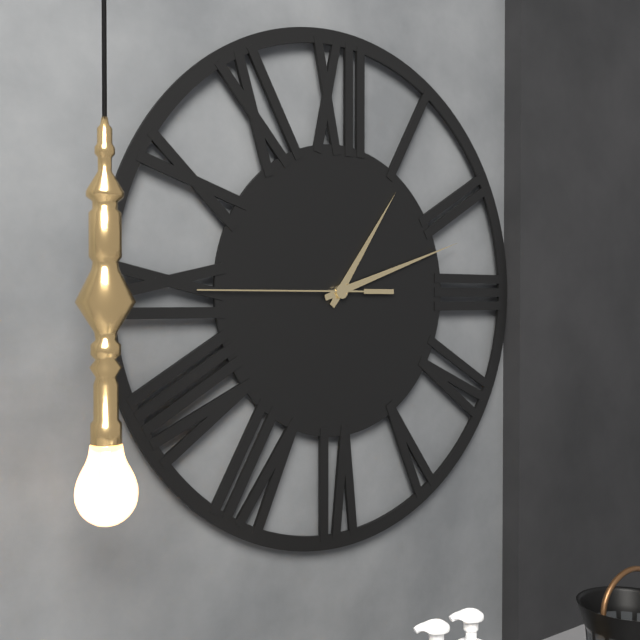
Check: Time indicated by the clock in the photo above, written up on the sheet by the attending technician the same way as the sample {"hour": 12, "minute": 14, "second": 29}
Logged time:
{"hour": 1, "minute": 12, "second": 45}
